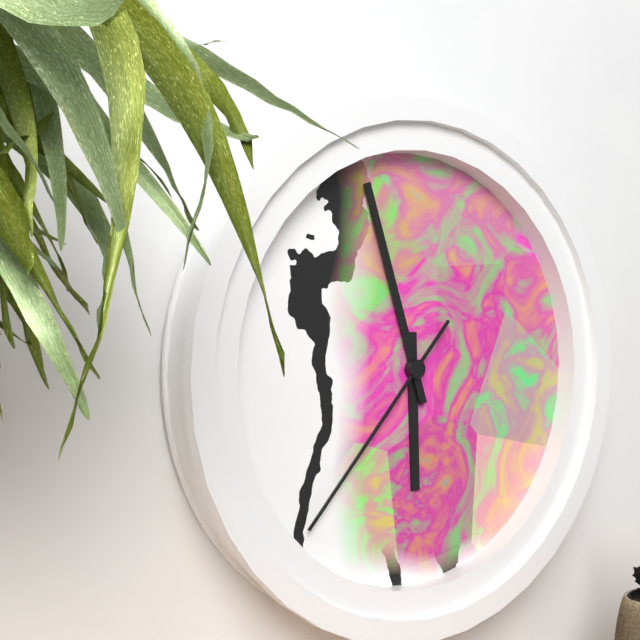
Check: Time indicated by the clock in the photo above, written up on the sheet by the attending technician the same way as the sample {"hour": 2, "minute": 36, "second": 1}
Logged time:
{"hour": 5, "minute": 57, "second": 37}
